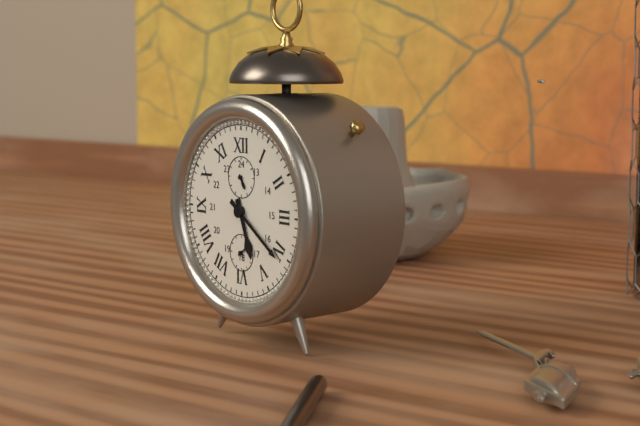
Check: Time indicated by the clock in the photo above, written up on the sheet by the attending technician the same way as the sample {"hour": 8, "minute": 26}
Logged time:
{"hour": 5, "minute": 21}
